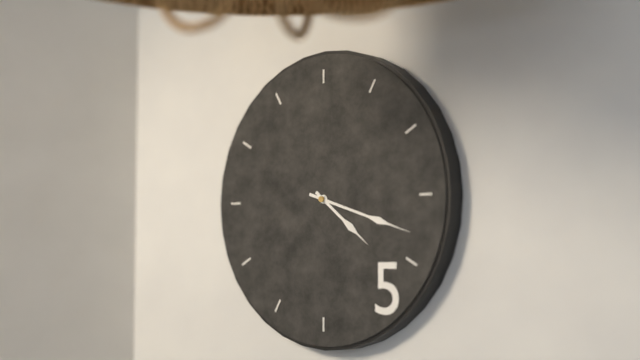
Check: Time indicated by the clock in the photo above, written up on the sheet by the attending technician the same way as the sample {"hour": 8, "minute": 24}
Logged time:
{"hour": 4, "minute": 18}
